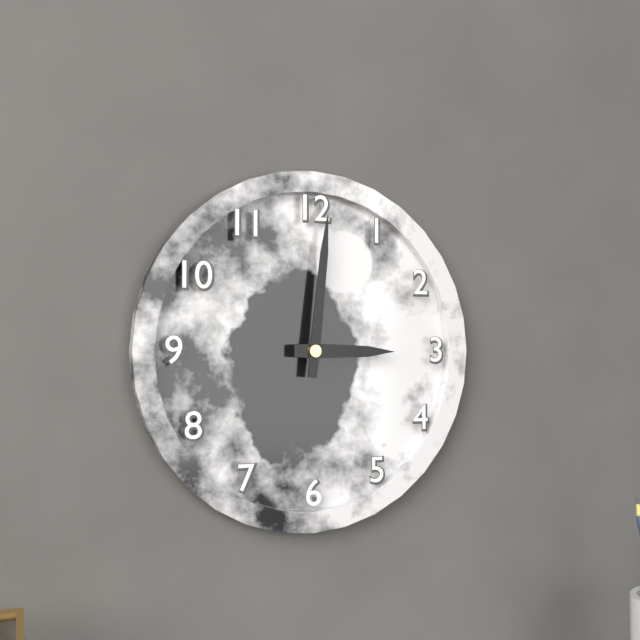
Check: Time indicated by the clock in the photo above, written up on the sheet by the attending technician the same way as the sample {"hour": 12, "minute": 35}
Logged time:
{"hour": 3, "minute": 1}
